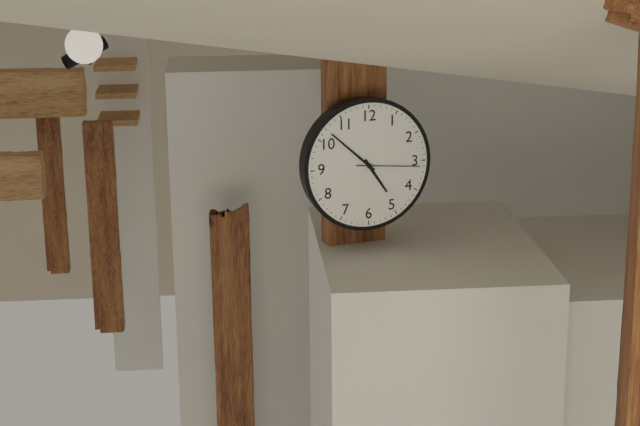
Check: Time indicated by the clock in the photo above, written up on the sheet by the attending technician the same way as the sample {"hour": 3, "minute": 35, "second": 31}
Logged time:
{"hour": 4, "minute": 52, "second": 16}
